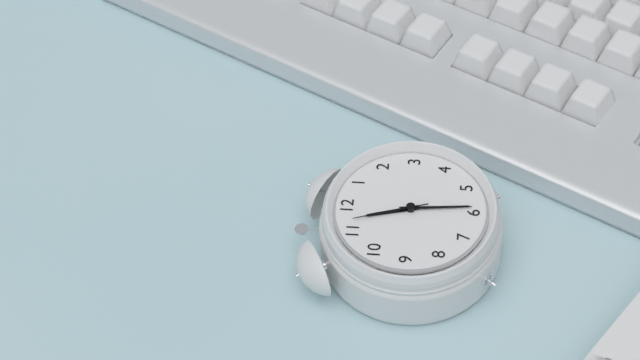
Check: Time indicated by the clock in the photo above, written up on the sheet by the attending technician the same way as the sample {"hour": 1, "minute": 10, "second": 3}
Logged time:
{"hour": 11, "minute": 29, "second": 57}
